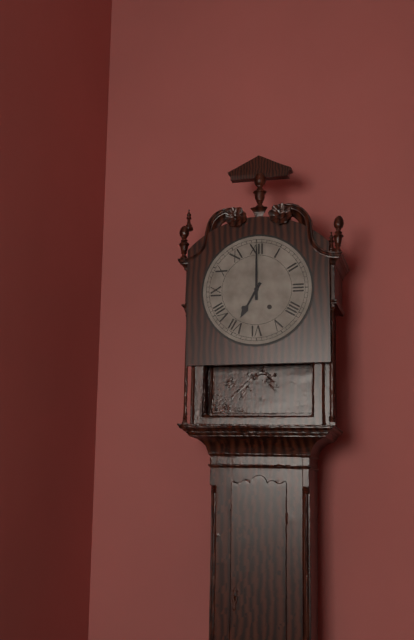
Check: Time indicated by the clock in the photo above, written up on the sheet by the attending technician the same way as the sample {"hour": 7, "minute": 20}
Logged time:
{"hour": 7, "minute": 0}
